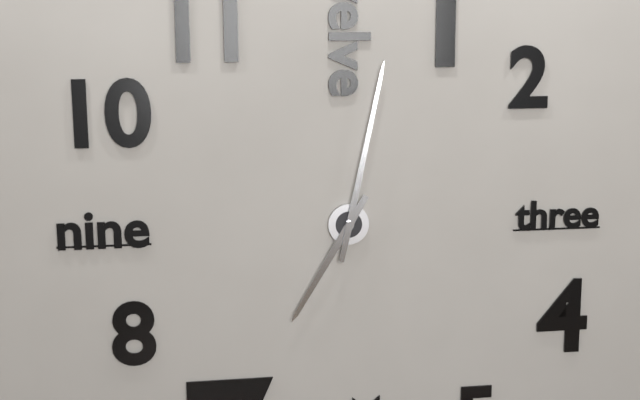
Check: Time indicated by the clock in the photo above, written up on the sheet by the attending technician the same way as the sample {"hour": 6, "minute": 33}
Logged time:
{"hour": 7, "minute": 2}
